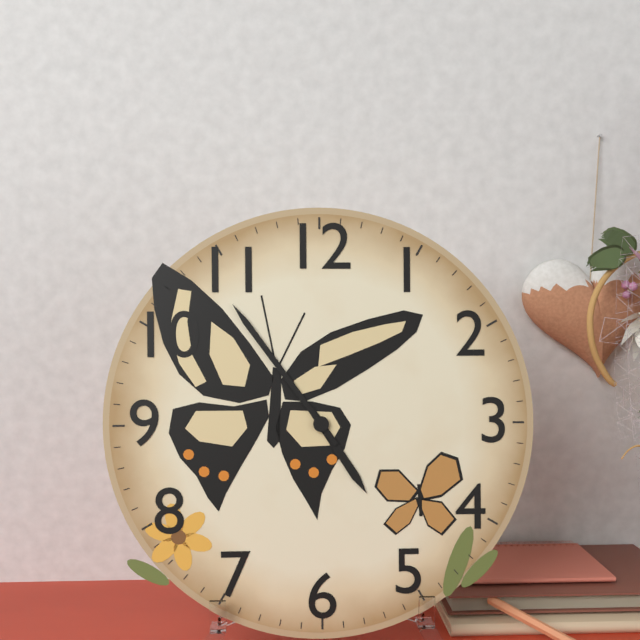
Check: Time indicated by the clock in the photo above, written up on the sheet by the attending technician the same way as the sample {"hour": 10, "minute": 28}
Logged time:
{"hour": 4, "minute": 54}
